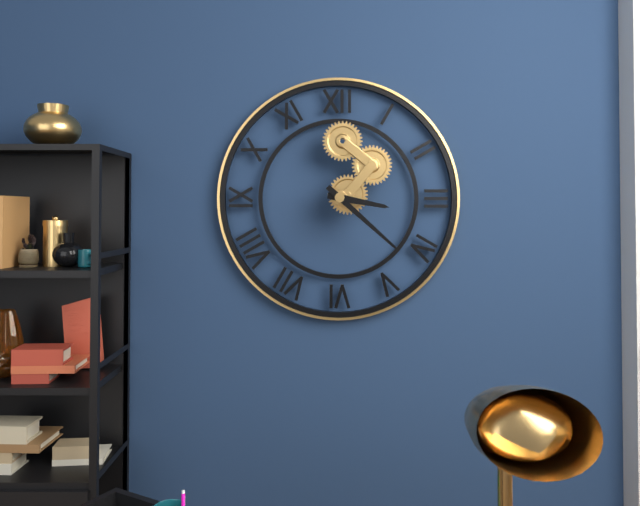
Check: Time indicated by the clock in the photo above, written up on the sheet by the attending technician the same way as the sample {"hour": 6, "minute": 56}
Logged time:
{"hour": 3, "minute": 22}
